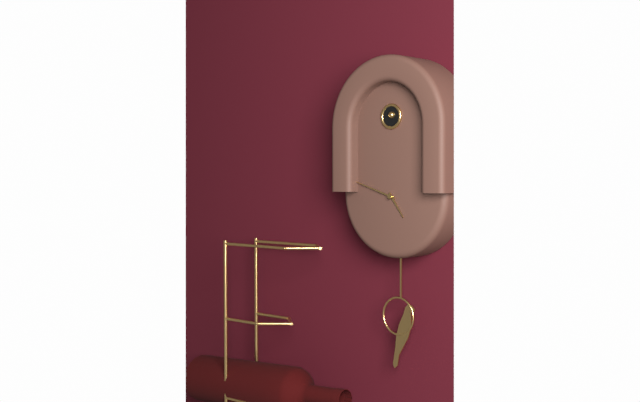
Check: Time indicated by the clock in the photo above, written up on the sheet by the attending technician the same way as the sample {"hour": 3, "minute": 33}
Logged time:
{"hour": 4, "minute": 48}
